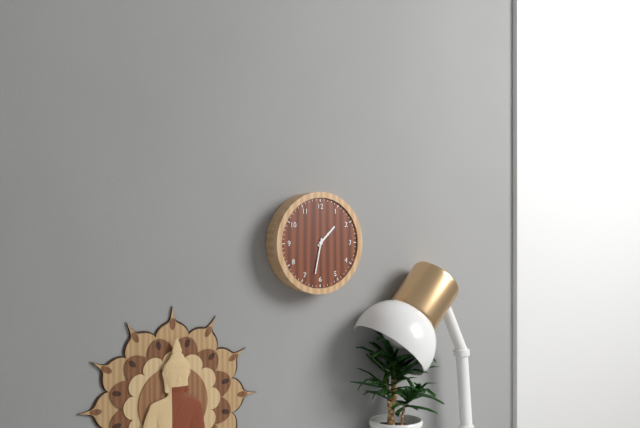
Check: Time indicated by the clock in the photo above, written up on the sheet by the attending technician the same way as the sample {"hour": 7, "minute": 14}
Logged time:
{"hour": 1, "minute": 32}
